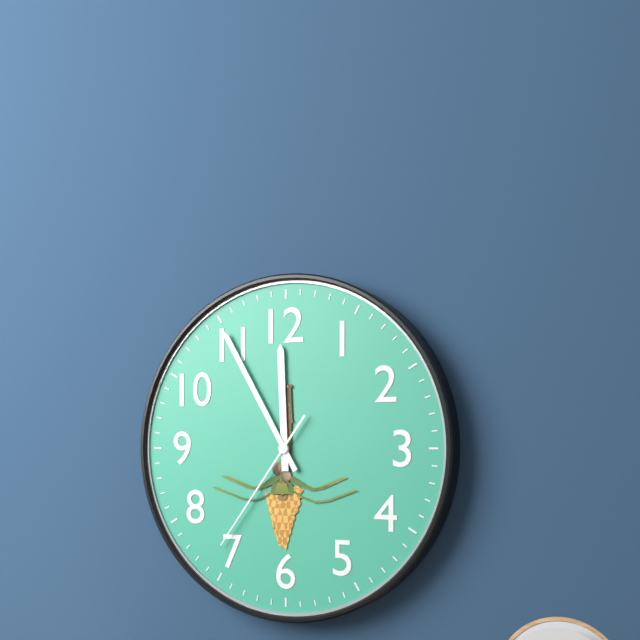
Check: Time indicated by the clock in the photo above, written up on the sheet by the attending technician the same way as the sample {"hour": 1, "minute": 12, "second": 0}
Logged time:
{"hour": 11, "minute": 55, "second": 36}
